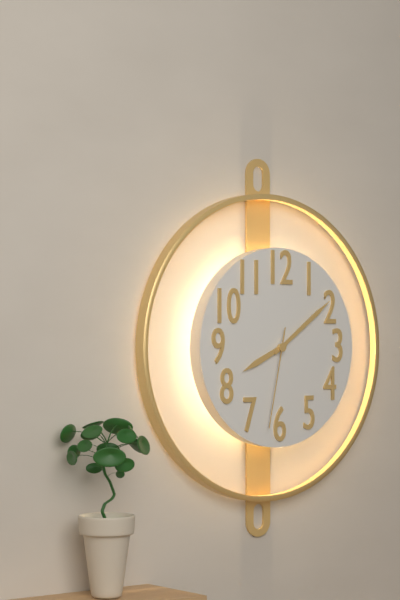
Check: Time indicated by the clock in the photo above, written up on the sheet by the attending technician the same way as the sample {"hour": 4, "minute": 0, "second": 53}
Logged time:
{"hour": 8, "minute": 9, "second": 32}
